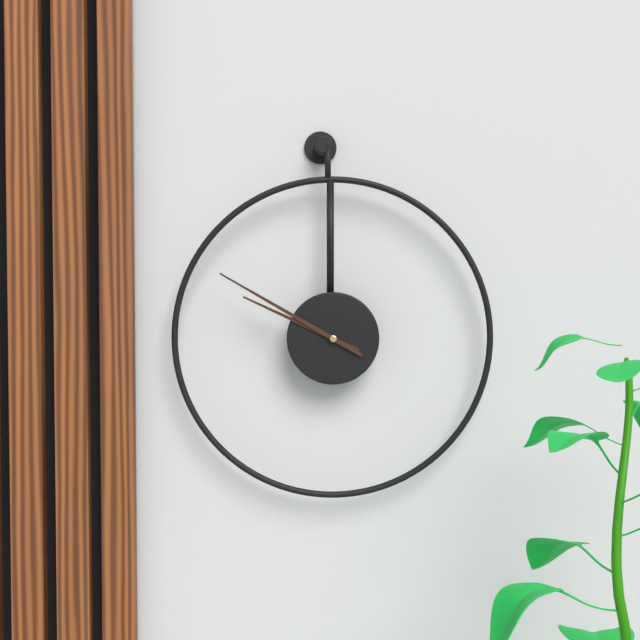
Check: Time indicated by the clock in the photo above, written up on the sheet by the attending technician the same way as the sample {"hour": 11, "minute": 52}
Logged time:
{"hour": 9, "minute": 50}
